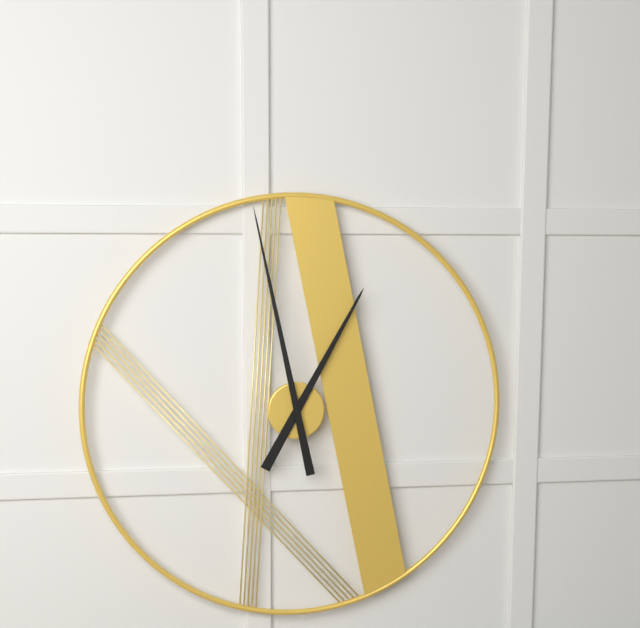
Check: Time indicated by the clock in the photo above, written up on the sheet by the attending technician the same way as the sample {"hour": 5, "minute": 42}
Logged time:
{"hour": 12, "minute": 58}
